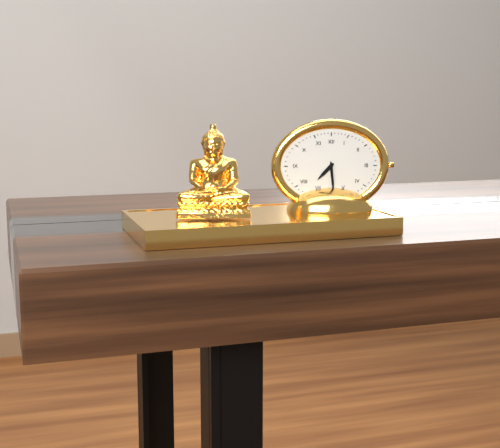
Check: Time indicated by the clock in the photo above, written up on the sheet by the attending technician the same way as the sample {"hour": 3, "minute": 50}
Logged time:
{"hour": 7, "minute": 29}
